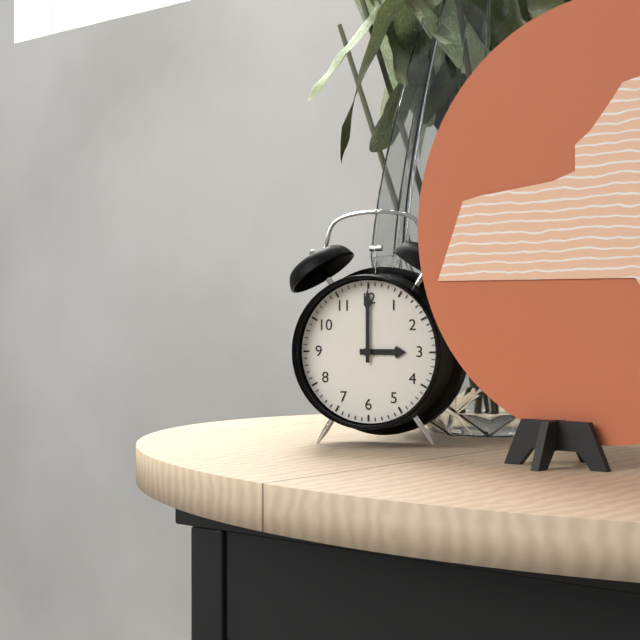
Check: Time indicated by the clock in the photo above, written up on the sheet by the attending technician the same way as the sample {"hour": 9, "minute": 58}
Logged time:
{"hour": 3, "minute": 0}
